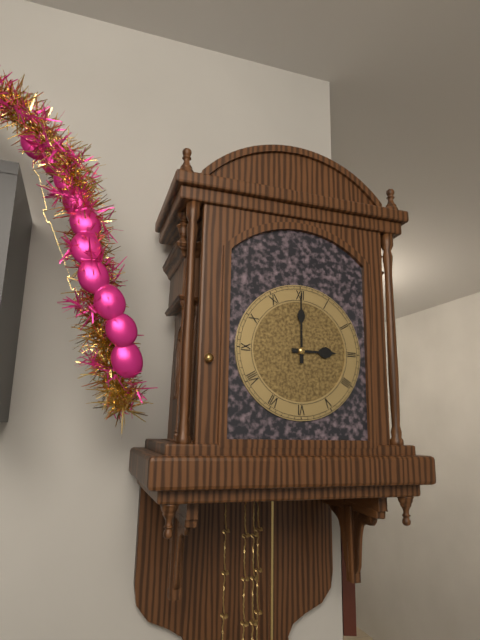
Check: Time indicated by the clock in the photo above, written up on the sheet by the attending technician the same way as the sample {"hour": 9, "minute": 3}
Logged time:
{"hour": 3, "minute": 0}
